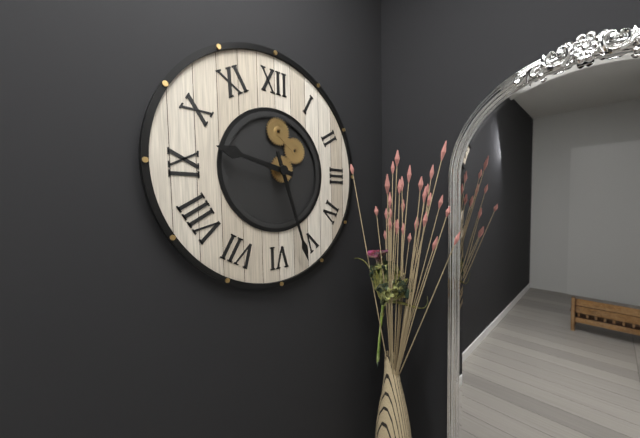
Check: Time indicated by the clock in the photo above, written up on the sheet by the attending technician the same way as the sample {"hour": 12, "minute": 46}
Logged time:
{"hour": 9, "minute": 27}
